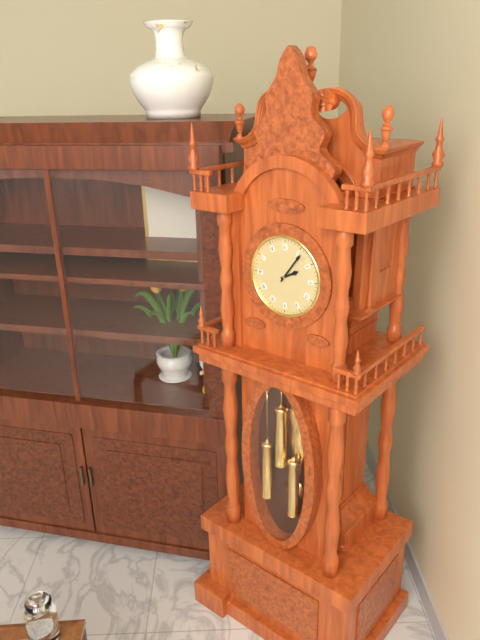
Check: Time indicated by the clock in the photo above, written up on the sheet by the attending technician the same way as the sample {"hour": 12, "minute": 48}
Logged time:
{"hour": 2, "minute": 6}
